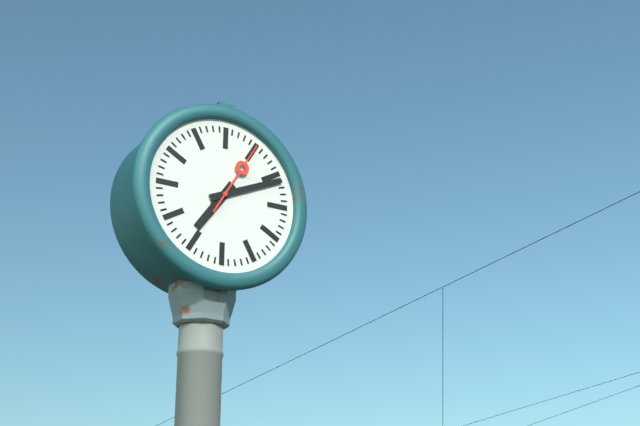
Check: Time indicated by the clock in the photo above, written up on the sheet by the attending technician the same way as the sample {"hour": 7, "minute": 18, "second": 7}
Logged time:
{"hour": 7, "minute": 11, "second": 5}
